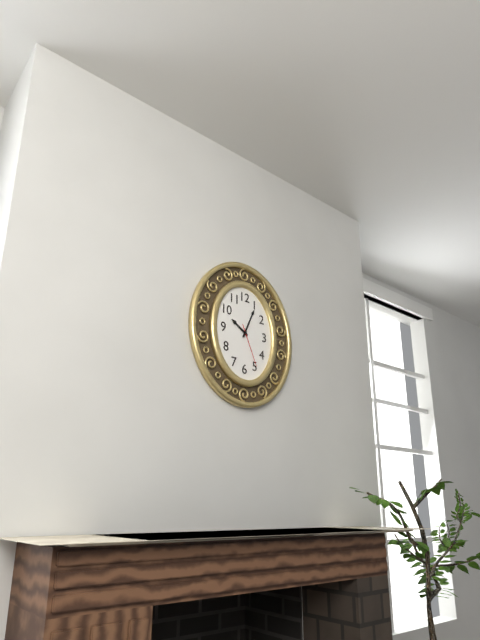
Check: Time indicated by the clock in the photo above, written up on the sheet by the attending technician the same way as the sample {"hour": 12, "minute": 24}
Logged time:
{"hour": 10, "minute": 4}
